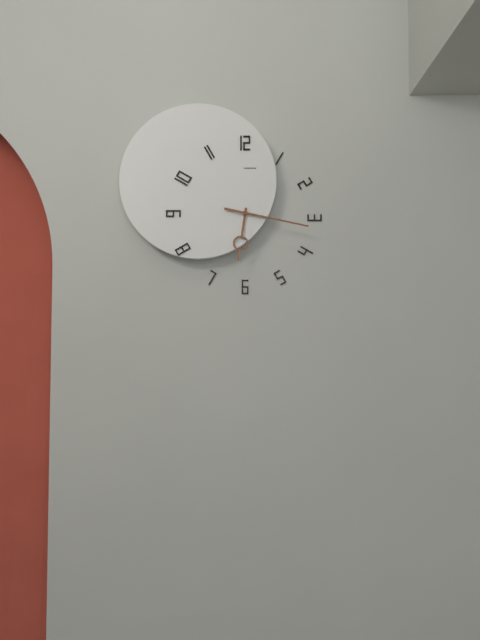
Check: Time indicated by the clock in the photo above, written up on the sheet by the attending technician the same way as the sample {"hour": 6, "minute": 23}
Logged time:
{"hour": 6, "minute": 17}
